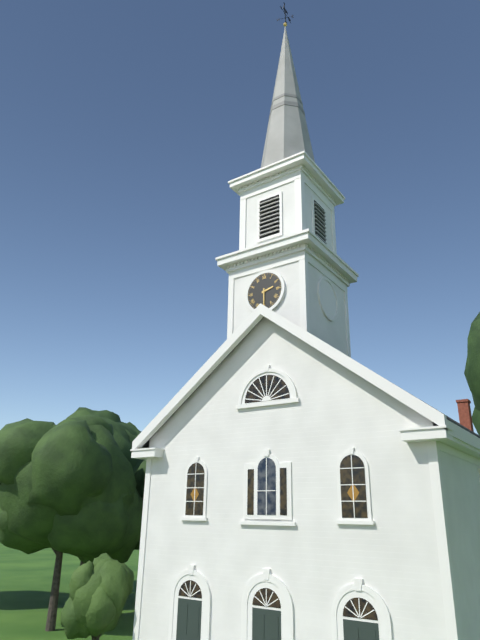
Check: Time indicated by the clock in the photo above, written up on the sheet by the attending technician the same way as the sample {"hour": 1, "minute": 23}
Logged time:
{"hour": 2, "minute": 30}
